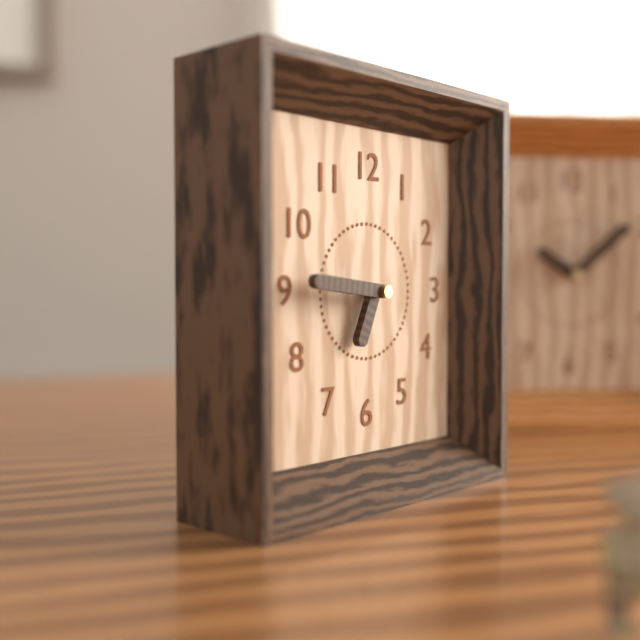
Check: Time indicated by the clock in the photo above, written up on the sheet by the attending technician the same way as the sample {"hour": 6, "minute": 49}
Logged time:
{"hour": 6, "minute": 46}
